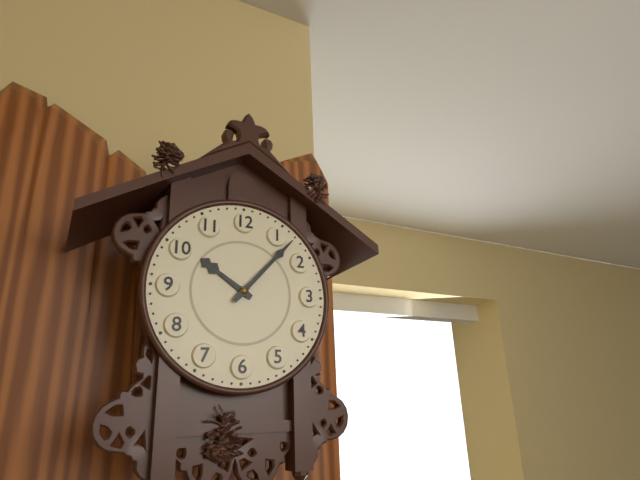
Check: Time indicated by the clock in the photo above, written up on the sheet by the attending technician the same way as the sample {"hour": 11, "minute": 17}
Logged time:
{"hour": 10, "minute": 7}
